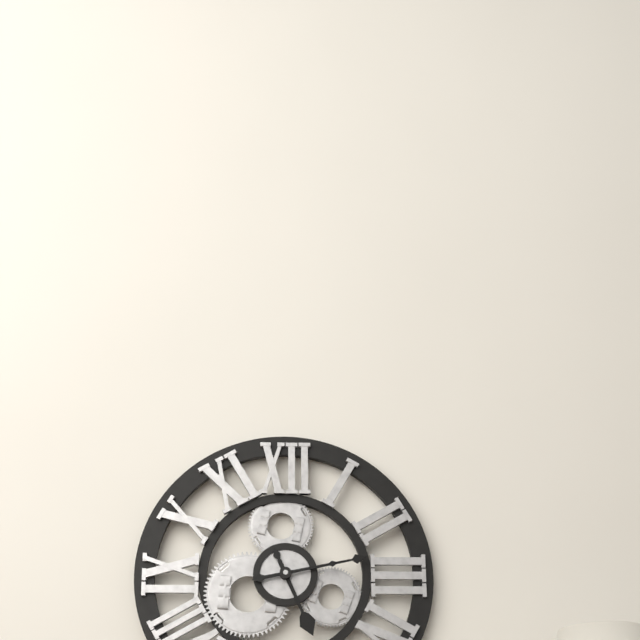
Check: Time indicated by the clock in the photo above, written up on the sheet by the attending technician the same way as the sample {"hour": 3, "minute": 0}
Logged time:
{"hour": 5, "minute": 13}
